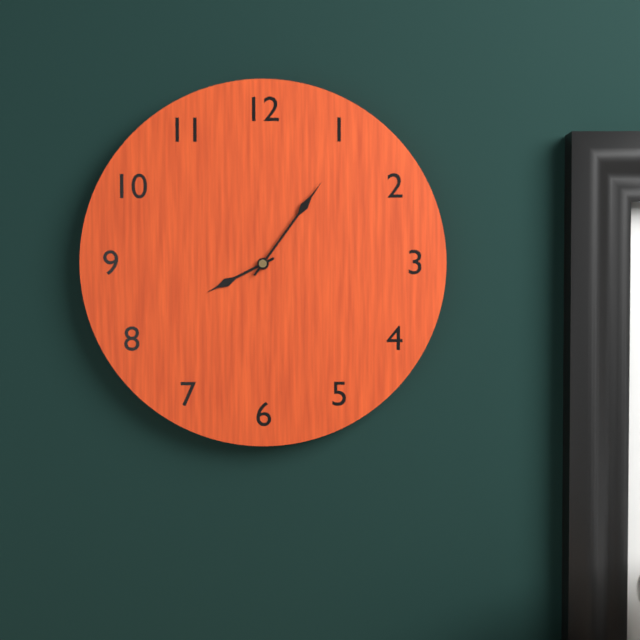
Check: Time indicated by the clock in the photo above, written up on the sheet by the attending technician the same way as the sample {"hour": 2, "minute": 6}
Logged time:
{"hour": 8, "minute": 6}
